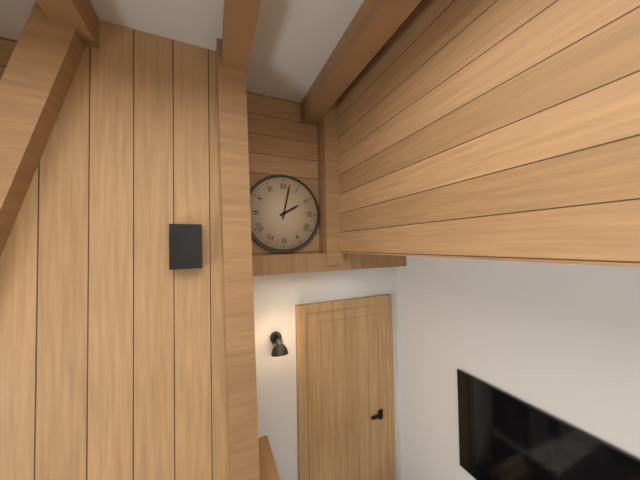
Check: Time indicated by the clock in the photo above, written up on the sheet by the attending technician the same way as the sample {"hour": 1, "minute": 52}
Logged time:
{"hour": 2, "minute": 2}
